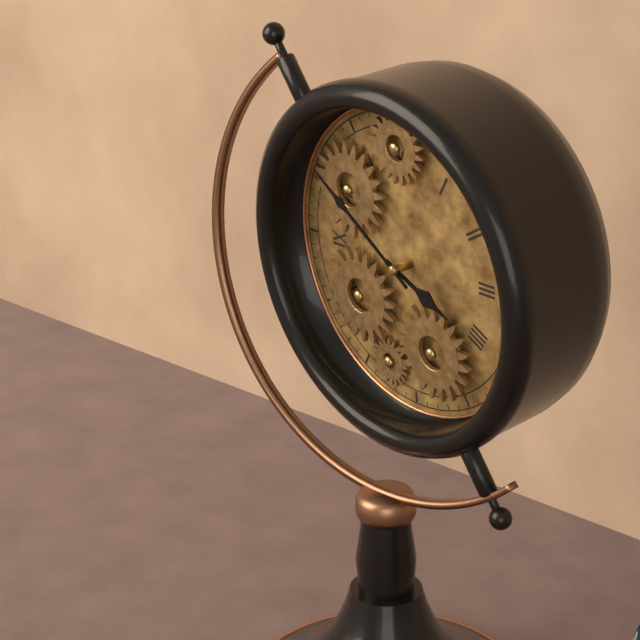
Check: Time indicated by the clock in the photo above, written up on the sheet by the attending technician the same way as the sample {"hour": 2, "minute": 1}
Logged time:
{"hour": 3, "minute": 51}
